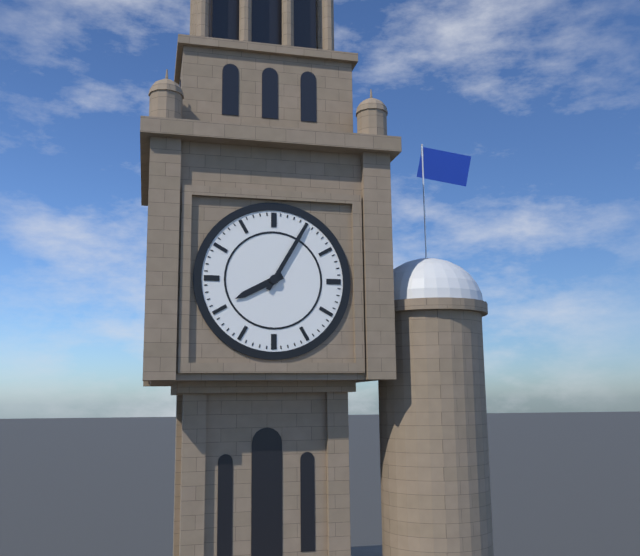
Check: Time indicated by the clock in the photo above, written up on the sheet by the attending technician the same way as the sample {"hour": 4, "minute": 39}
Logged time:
{"hour": 8, "minute": 5}
